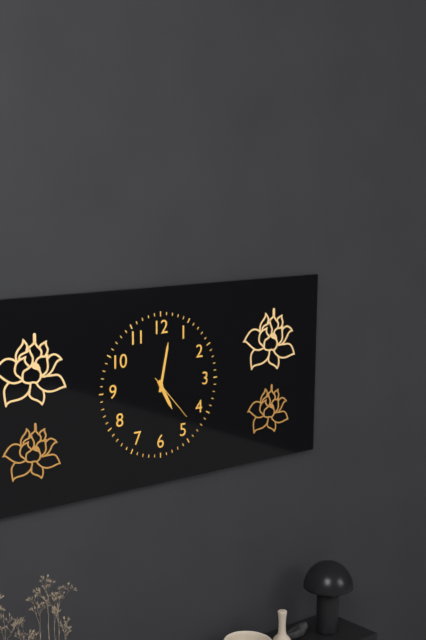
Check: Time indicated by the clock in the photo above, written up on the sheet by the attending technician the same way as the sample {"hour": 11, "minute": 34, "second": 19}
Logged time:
{"hour": 5, "minute": 2, "second": 23}
